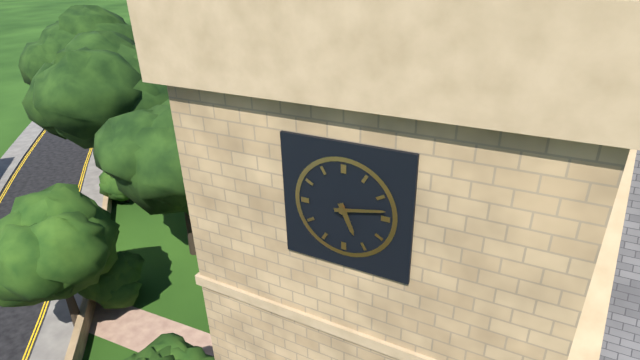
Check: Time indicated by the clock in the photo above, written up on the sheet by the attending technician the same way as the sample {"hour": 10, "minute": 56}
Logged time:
{"hour": 5, "minute": 13}
